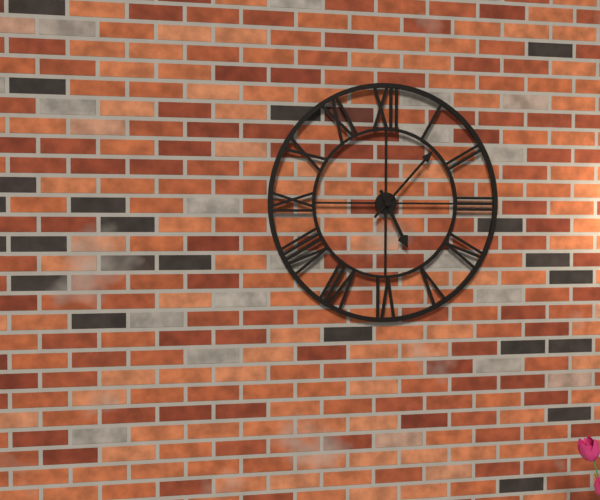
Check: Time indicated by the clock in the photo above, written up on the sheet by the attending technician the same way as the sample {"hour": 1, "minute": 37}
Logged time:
{"hour": 5, "minute": 7}
